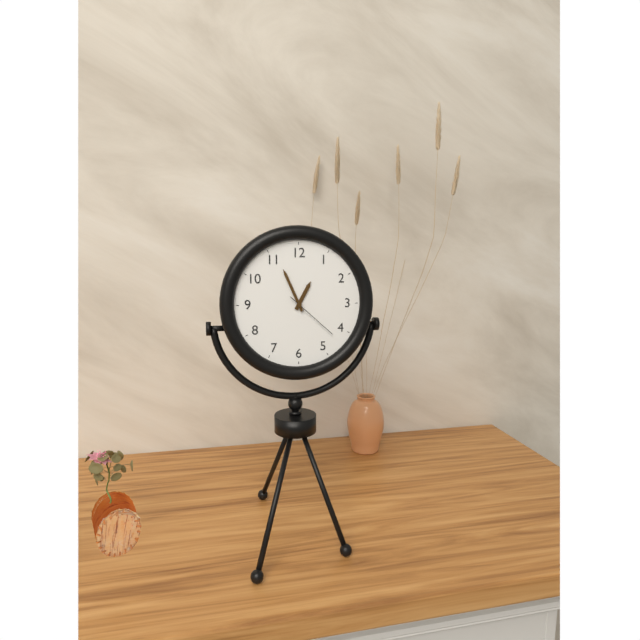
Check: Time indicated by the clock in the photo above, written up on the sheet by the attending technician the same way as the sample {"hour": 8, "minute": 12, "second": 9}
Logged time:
{"hour": 12, "minute": 56, "second": 22}
